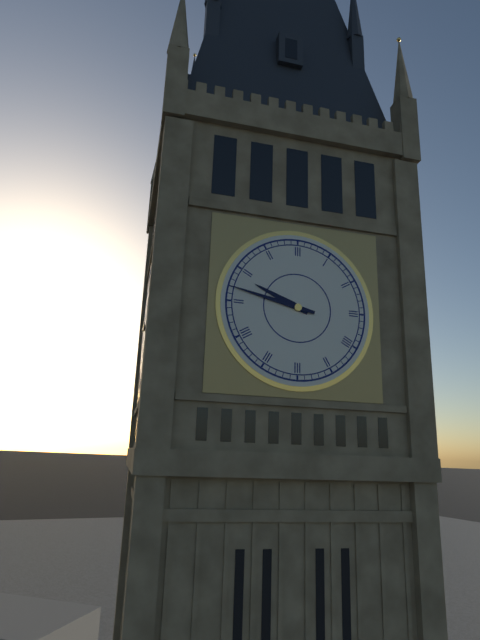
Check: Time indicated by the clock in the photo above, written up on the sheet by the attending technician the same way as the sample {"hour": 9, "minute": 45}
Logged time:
{"hour": 9, "minute": 47}
